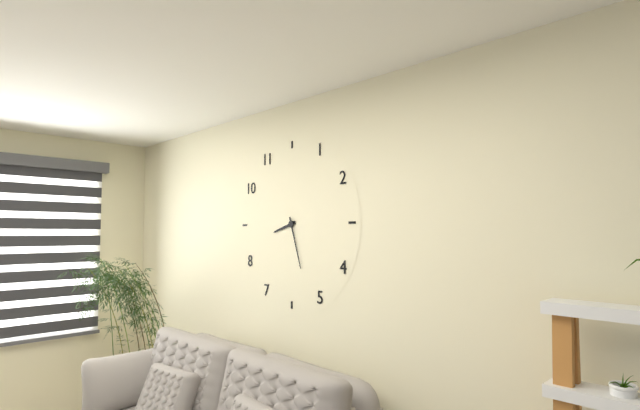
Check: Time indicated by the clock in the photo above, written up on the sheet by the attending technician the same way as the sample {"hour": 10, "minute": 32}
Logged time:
{"hour": 8, "minute": 27}
